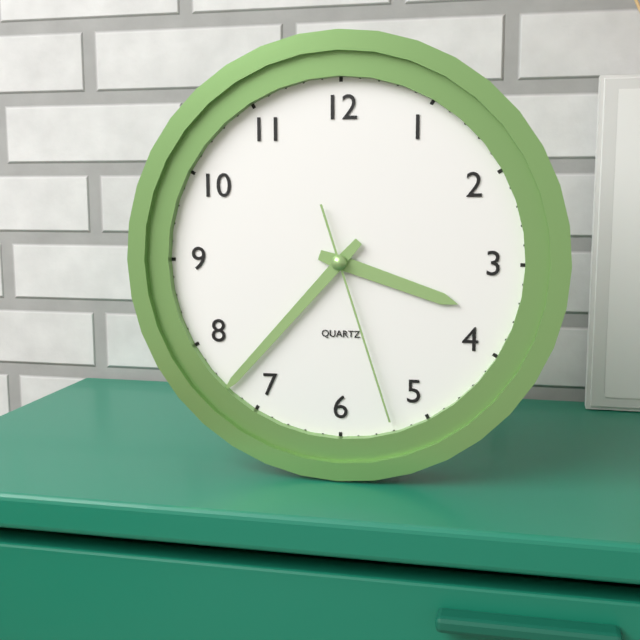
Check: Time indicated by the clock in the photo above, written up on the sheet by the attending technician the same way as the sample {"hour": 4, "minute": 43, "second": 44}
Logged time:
{"hour": 3, "minute": 37, "second": 27}
